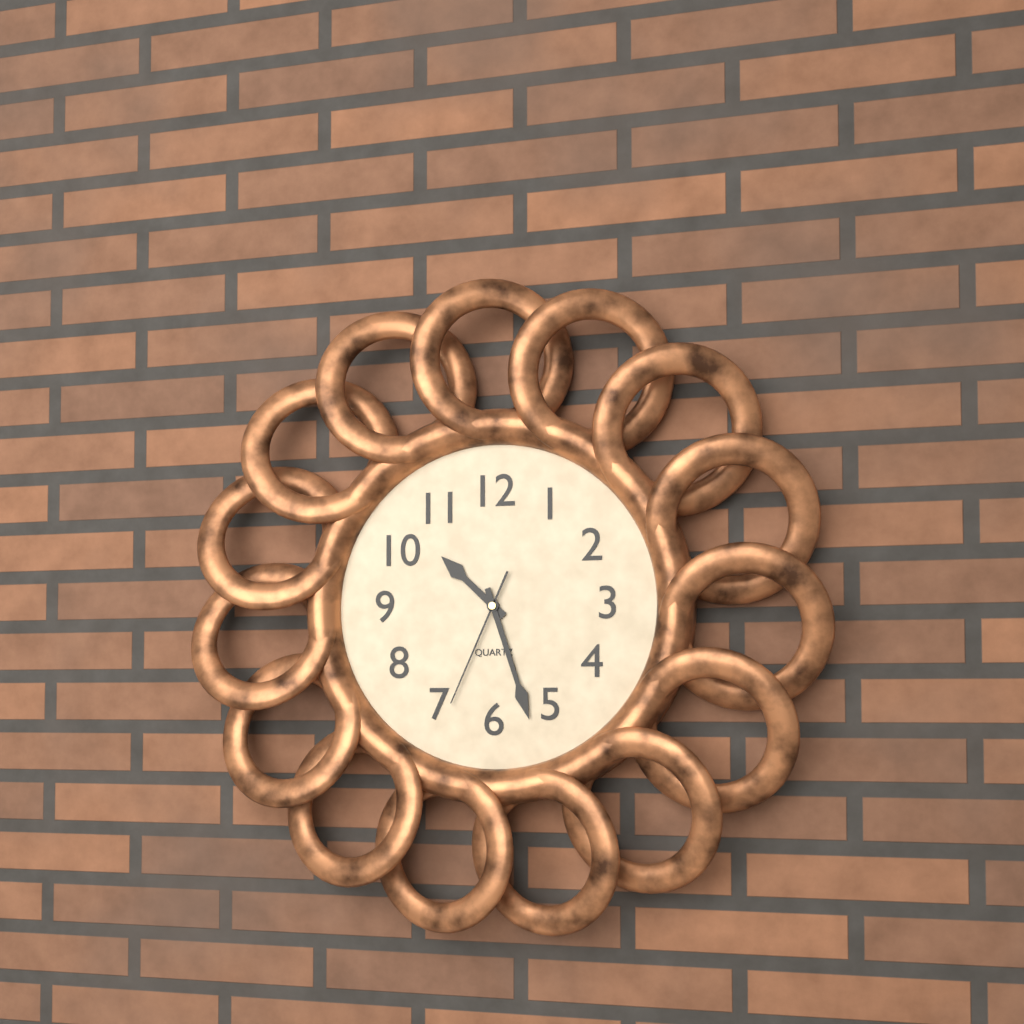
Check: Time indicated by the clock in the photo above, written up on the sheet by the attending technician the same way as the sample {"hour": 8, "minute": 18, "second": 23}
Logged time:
{"hour": 10, "minute": 27, "second": 34}
